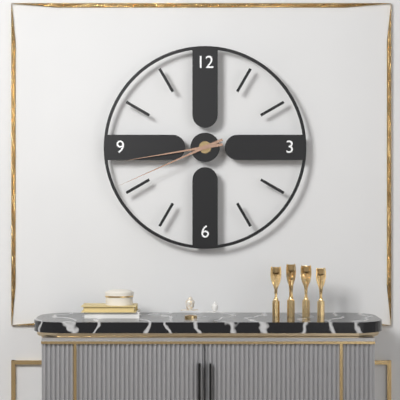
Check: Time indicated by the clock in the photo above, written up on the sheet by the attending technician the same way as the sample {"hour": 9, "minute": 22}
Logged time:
{"hour": 8, "minute": 41}
